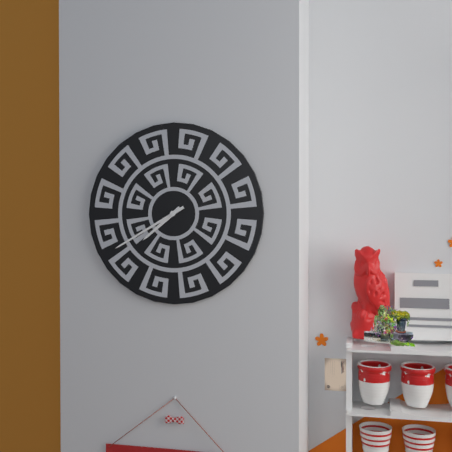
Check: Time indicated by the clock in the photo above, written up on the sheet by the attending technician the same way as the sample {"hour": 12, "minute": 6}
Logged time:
{"hour": 7, "minute": 40}
